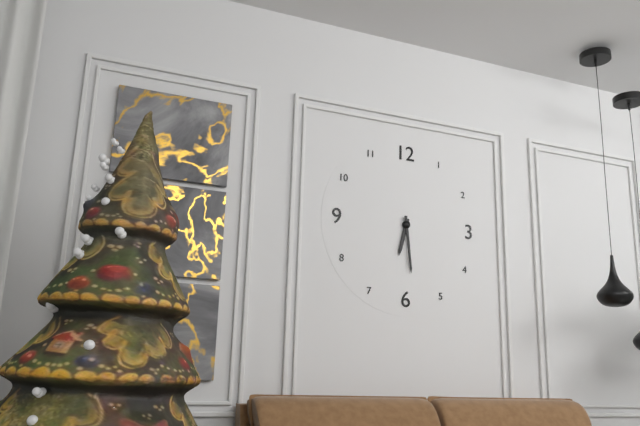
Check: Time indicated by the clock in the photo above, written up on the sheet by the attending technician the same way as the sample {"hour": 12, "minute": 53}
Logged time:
{"hour": 6, "minute": 29}
